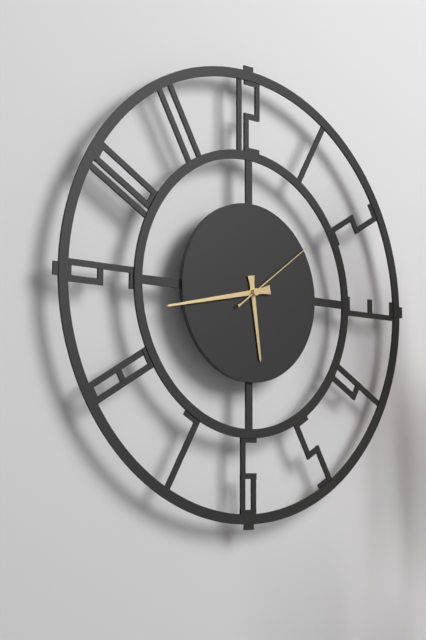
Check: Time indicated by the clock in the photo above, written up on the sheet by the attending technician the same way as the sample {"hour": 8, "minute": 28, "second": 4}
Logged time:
{"hour": 5, "minute": 43, "second": 9}
